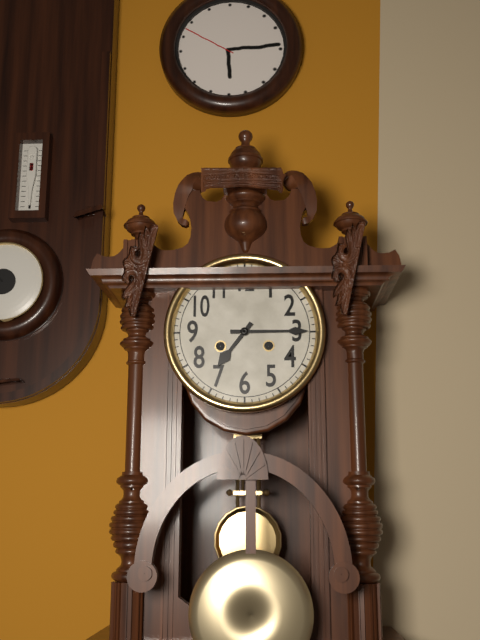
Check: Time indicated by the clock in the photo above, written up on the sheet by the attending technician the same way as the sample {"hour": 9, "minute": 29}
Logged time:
{"hour": 7, "minute": 15}
